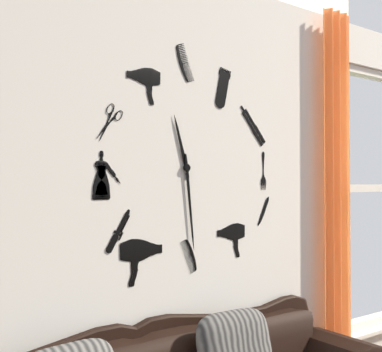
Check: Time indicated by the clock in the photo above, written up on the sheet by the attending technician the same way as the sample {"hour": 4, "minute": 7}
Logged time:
{"hour": 11, "minute": 29}
